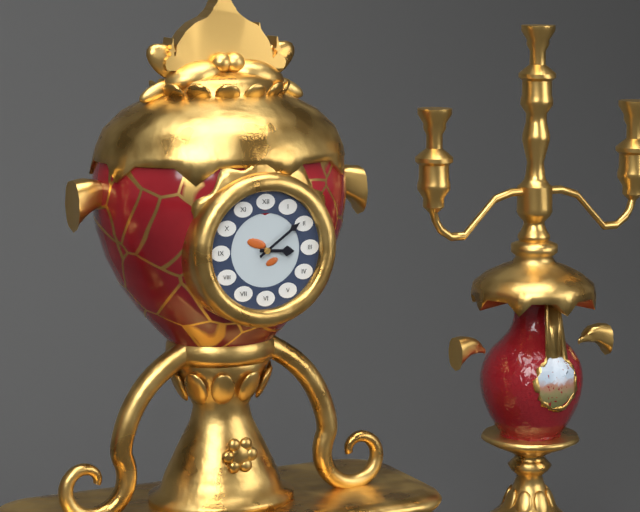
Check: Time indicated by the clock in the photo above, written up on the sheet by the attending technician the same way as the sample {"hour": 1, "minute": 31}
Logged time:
{"hour": 3, "minute": 9}
